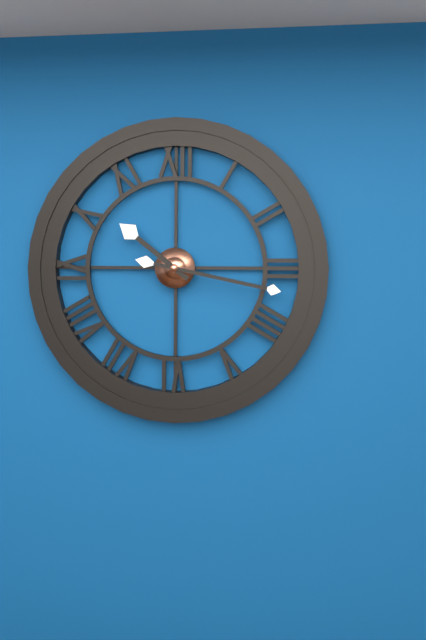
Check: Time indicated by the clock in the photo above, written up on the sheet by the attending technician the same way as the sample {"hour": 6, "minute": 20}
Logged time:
{"hour": 10, "minute": 17}
